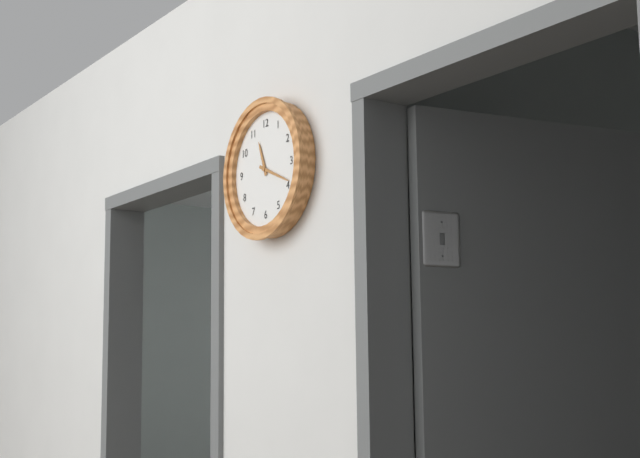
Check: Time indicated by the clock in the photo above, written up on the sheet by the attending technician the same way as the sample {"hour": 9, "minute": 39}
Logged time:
{"hour": 11, "minute": 19}
